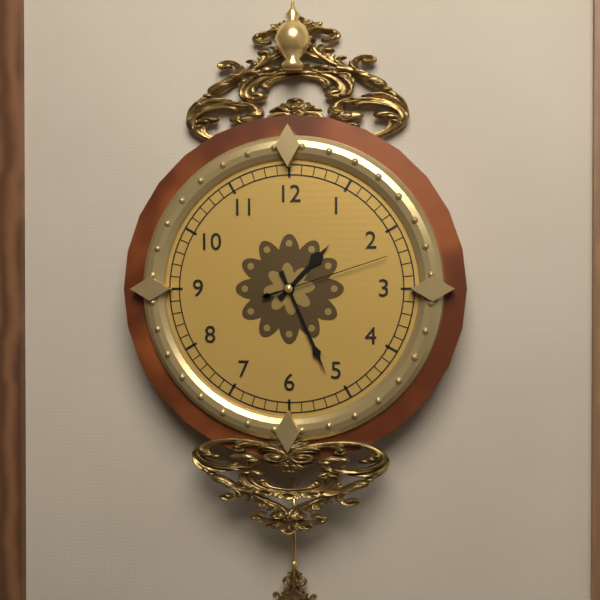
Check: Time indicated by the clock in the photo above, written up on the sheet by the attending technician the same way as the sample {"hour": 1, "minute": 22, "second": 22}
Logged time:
{"hour": 1, "minute": 26, "second": 12}
